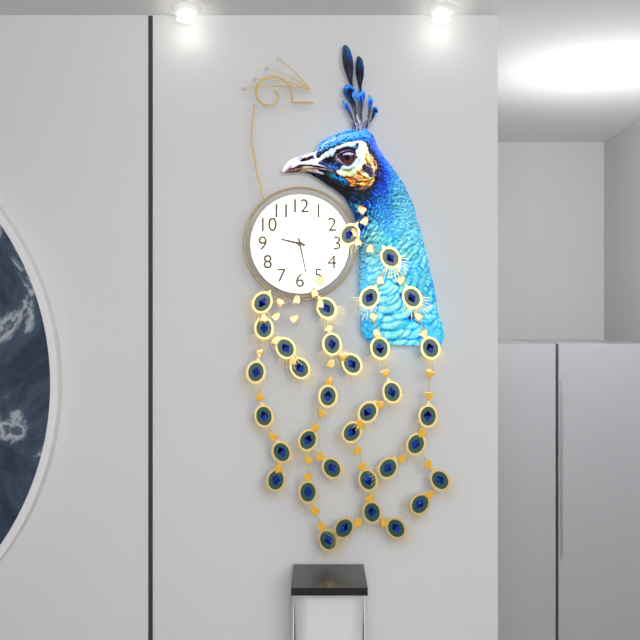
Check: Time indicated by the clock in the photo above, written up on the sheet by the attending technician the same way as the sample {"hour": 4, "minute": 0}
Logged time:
{"hour": 9, "minute": 28}
